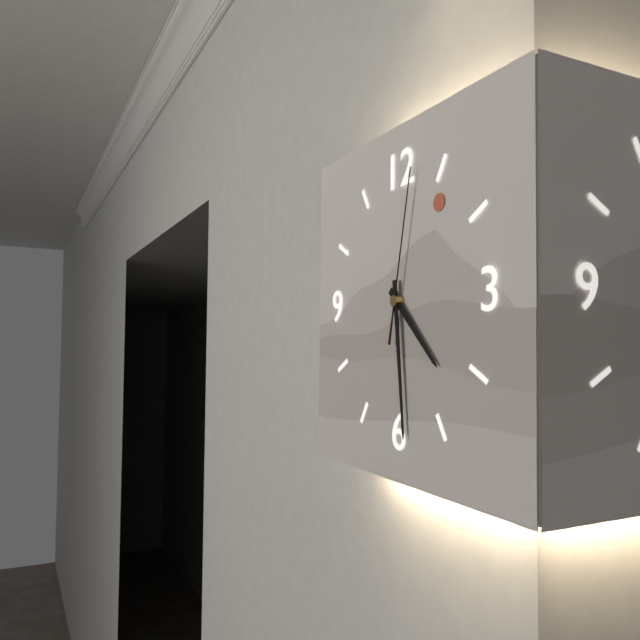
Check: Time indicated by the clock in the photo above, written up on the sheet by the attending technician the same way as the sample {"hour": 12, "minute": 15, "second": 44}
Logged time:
{"hour": 4, "minute": 29, "second": 2}
